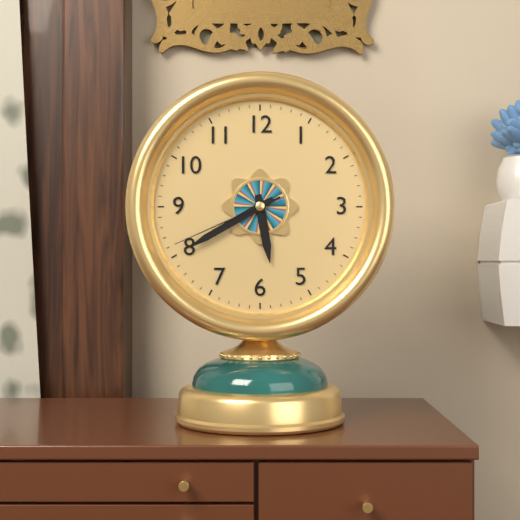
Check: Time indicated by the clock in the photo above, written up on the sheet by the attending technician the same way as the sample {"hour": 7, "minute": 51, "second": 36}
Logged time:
{"hour": 5, "minute": 40, "second": 41}
